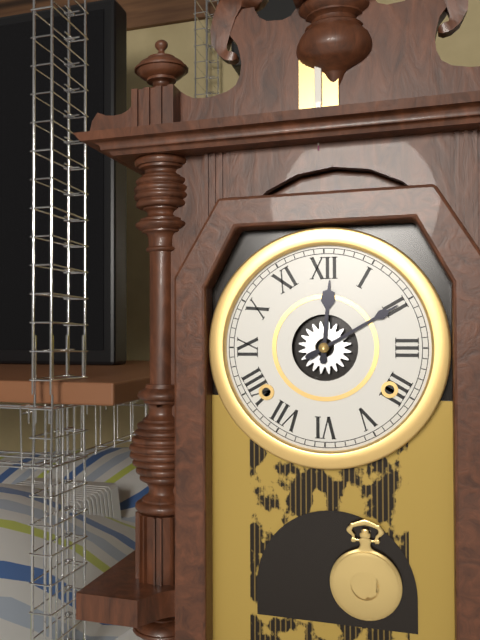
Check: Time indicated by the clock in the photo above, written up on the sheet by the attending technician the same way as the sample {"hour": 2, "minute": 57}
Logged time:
{"hour": 12, "minute": 10}
